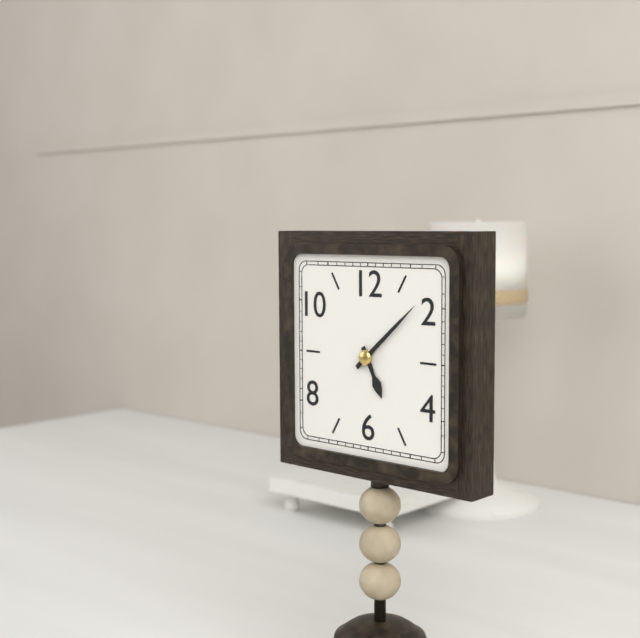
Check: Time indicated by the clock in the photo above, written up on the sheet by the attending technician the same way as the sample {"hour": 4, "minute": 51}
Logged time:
{"hour": 5, "minute": 8}
